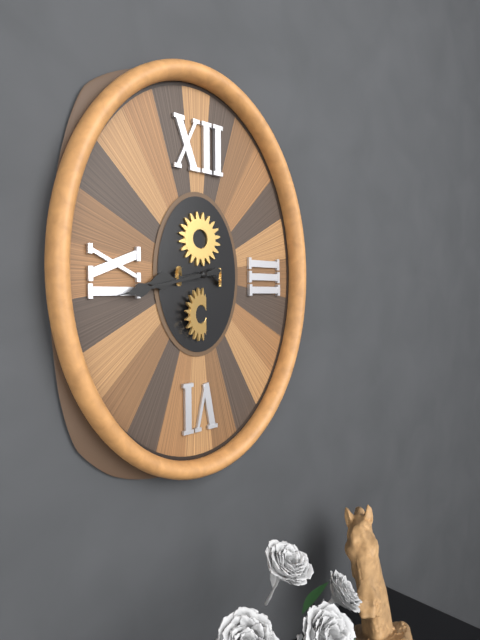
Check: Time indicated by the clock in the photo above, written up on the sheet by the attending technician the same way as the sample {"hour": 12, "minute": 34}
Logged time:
{"hour": 8, "minute": 43}
